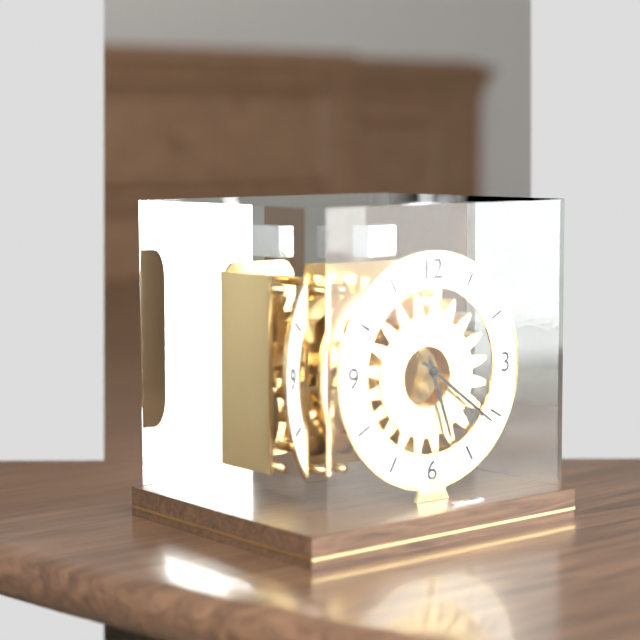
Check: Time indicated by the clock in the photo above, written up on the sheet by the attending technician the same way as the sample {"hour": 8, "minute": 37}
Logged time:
{"hour": 5, "minute": 21}
